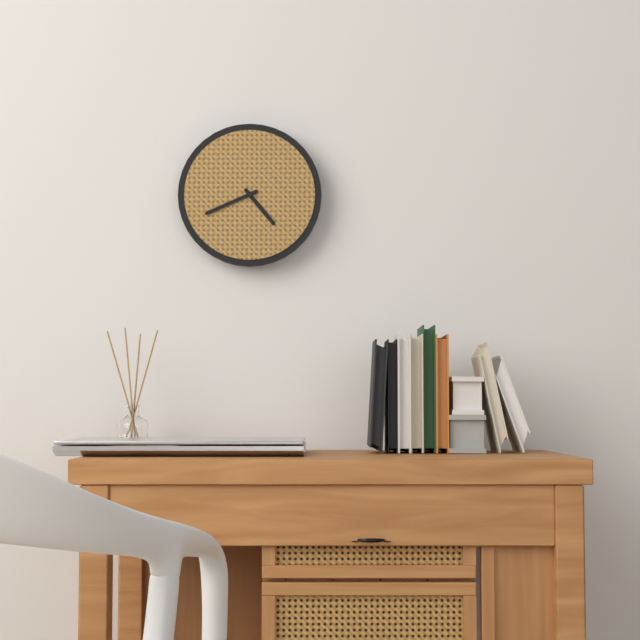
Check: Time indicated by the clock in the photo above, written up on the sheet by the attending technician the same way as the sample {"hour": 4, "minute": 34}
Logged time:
{"hour": 4, "minute": 41}
